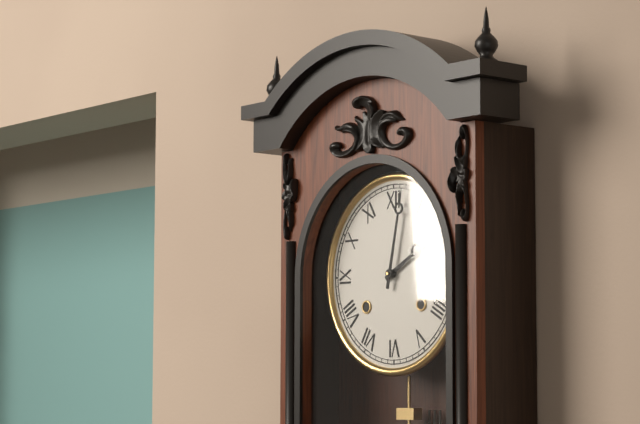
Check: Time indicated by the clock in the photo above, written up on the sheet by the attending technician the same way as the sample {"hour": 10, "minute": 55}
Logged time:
{"hour": 2, "minute": 2}
